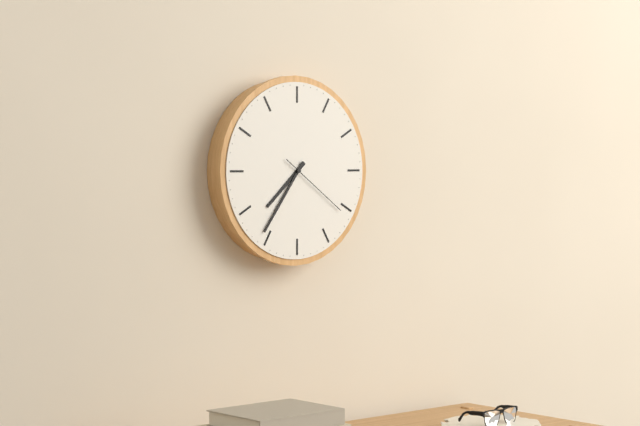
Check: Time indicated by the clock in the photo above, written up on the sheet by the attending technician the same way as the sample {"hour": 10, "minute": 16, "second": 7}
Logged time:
{"hour": 7, "minute": 36, "second": 21}
